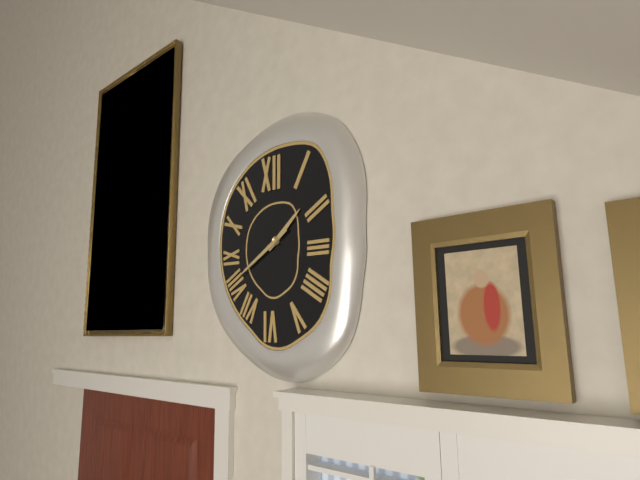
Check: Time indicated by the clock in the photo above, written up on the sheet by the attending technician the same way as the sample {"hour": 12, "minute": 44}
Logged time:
{"hour": 1, "minute": 40}
